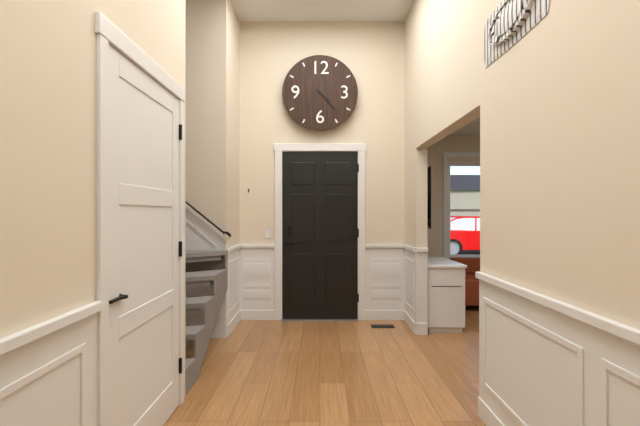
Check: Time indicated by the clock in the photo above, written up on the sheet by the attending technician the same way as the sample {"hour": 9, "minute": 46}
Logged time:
{"hour": 4, "minute": 23}
